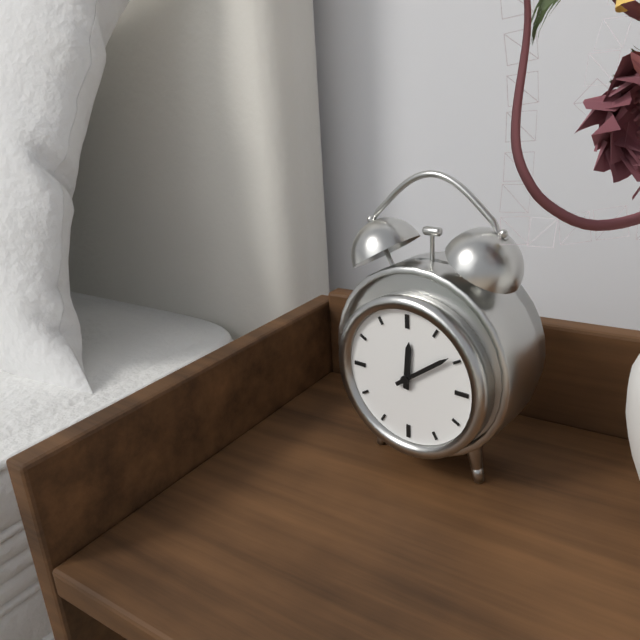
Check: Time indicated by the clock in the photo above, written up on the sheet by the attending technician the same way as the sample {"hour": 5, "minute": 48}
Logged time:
{"hour": 12, "minute": 9}
